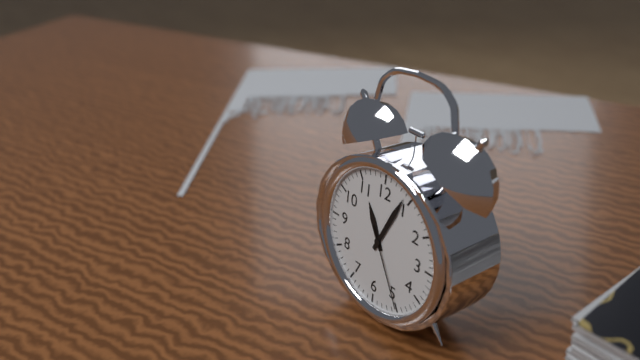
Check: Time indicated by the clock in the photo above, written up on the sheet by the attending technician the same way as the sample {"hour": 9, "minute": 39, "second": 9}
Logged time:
{"hour": 11, "minute": 4, "second": 25}
